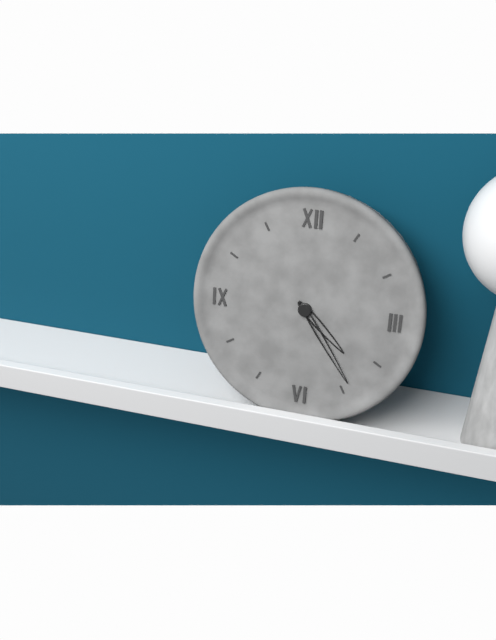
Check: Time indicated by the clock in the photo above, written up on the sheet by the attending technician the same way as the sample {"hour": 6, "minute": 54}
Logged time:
{"hour": 4, "minute": 24}
